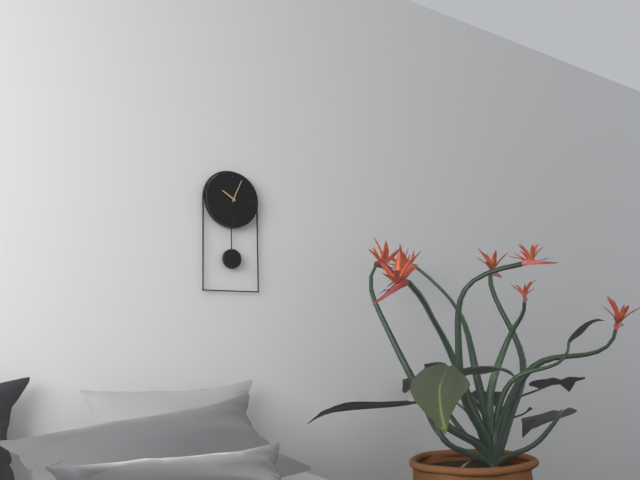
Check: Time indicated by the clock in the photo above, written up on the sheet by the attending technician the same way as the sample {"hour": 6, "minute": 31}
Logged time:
{"hour": 10, "minute": 4}
